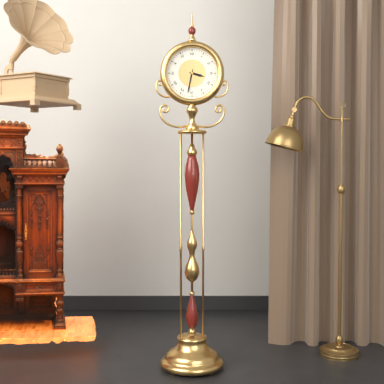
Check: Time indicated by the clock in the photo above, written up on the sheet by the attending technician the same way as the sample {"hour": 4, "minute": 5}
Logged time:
{"hour": 3, "minute": 32}
